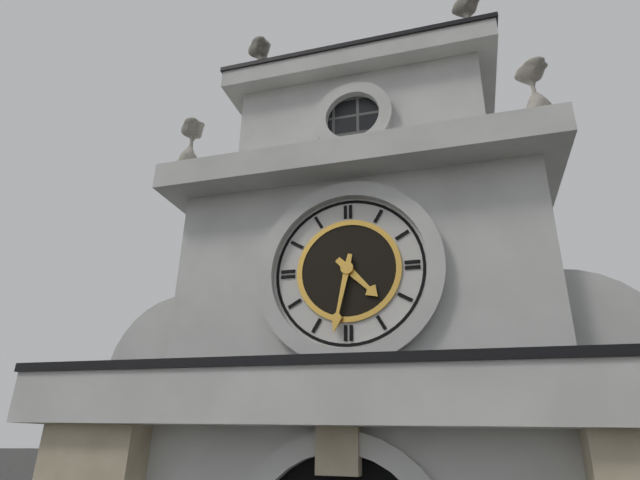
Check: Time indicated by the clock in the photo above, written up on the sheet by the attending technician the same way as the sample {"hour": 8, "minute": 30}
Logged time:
{"hour": 4, "minute": 32}
